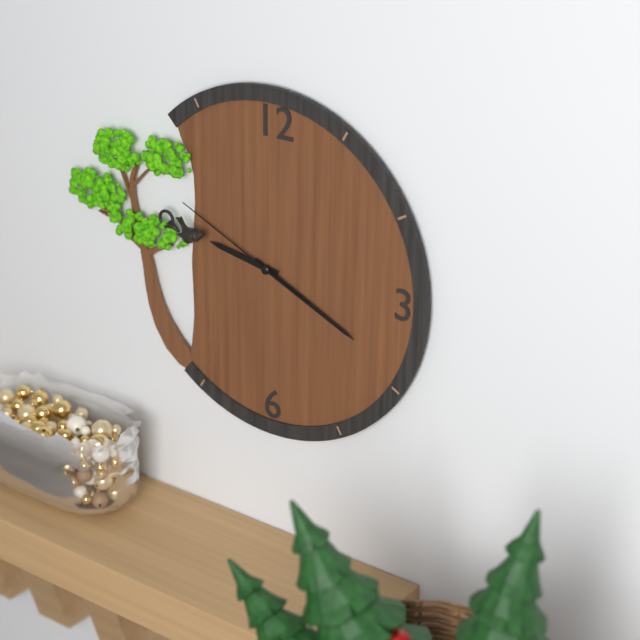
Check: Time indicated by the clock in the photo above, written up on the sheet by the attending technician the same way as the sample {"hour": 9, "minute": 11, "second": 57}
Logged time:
{"hour": 9, "minute": 19, "second": 49}
